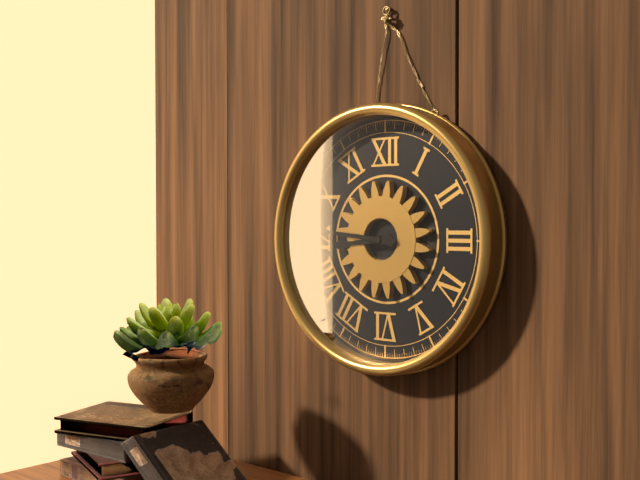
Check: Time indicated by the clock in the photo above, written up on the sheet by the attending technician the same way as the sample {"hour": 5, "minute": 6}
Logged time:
{"hour": 8, "minute": 46}
